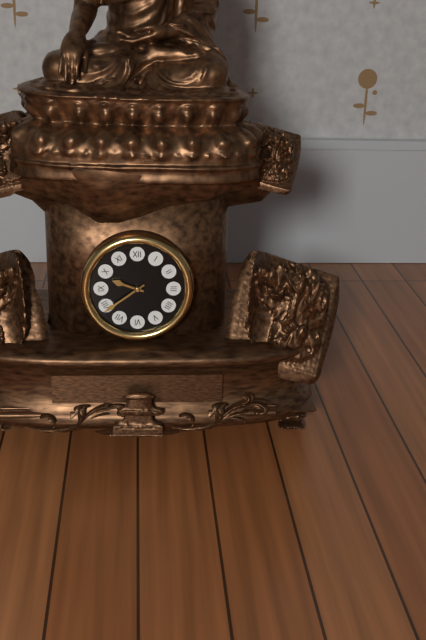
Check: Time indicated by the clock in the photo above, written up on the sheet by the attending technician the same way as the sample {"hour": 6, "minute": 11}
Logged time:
{"hour": 9, "minute": 39}
